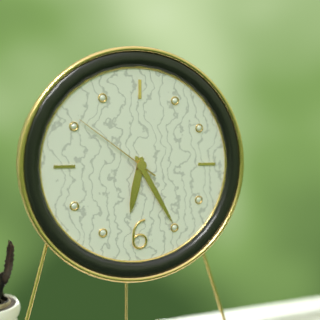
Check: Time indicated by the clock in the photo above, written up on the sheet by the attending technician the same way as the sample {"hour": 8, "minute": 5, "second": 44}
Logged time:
{"hour": 6, "minute": 25, "second": 51}
